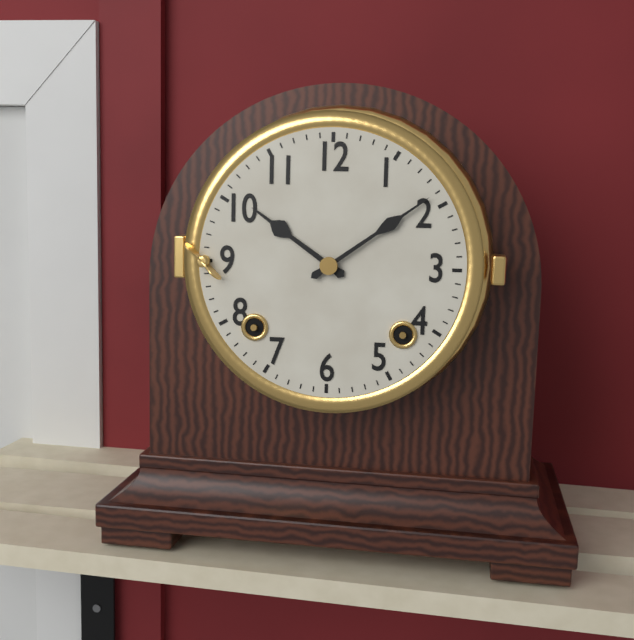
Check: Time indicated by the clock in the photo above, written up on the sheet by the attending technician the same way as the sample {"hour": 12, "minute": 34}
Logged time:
{"hour": 10, "minute": 9}
